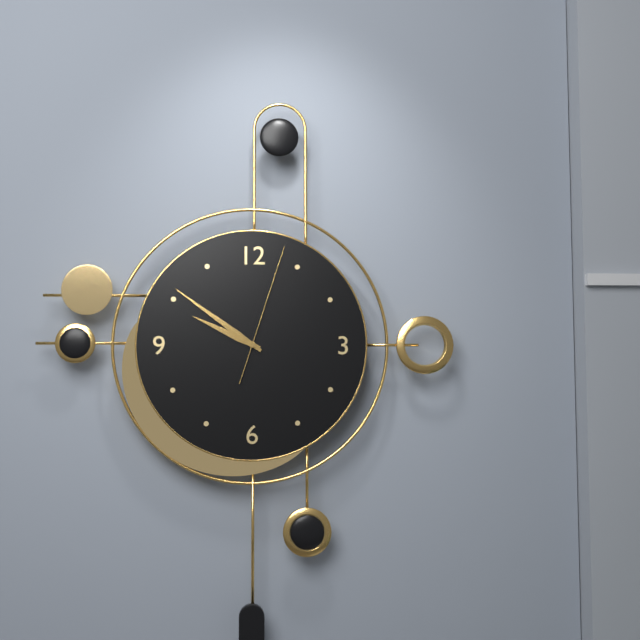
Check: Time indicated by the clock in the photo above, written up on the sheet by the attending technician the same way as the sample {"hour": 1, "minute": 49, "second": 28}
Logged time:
{"hour": 9, "minute": 51, "second": 3}
